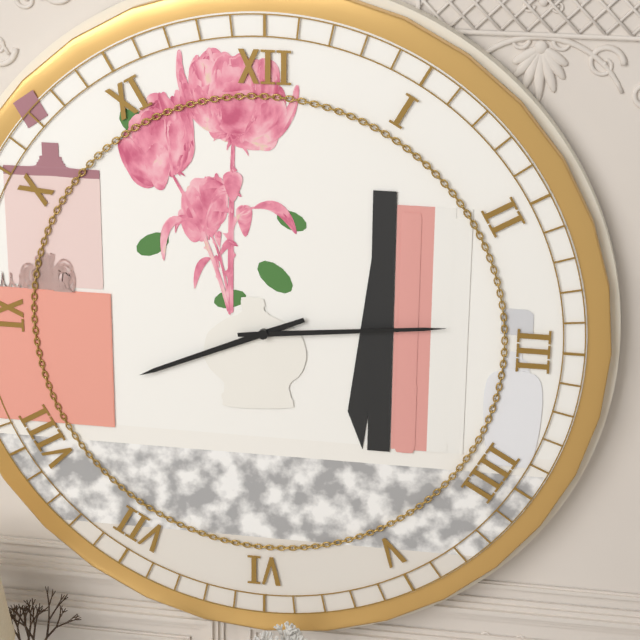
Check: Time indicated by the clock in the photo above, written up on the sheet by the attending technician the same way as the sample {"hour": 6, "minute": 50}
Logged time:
{"hour": 8, "minute": 14}
